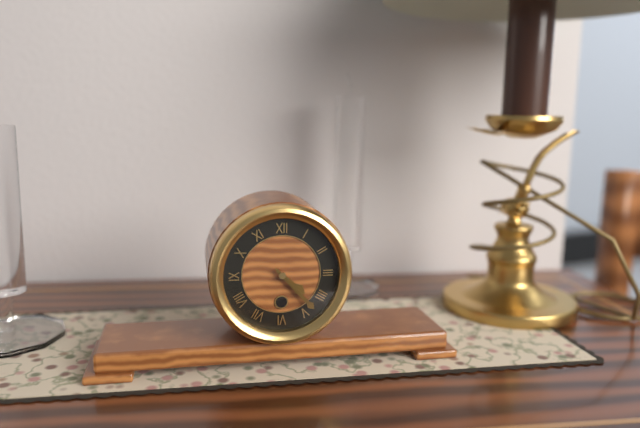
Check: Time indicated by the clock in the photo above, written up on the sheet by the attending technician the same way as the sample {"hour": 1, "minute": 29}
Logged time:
{"hour": 4, "minute": 23}
